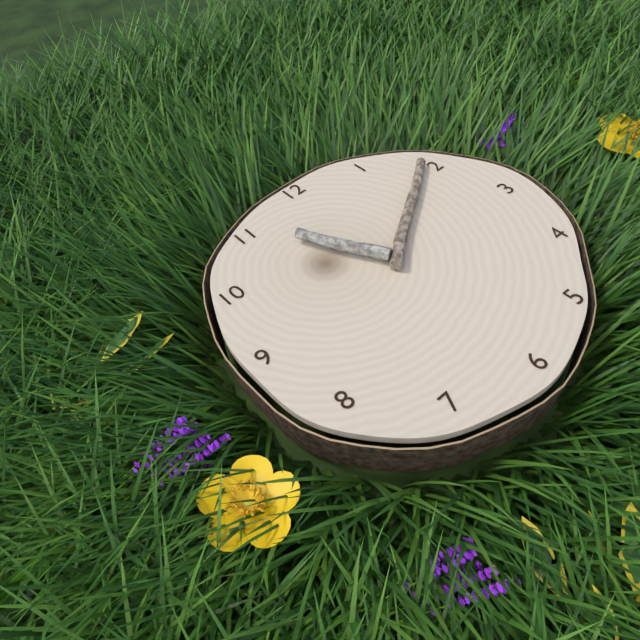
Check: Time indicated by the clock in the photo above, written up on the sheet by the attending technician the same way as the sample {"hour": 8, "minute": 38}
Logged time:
{"hour": 11, "minute": 9}
